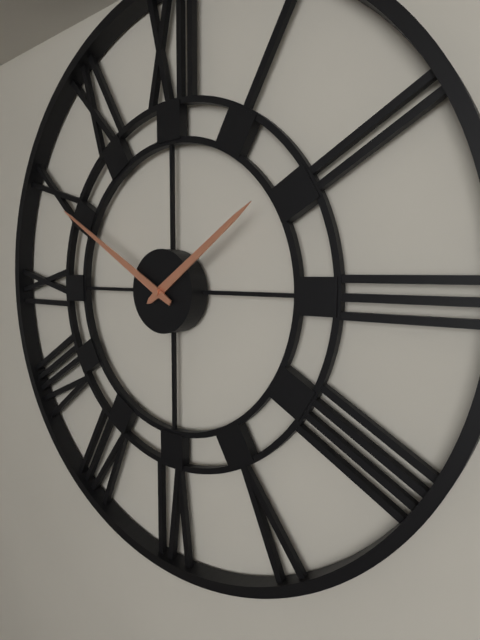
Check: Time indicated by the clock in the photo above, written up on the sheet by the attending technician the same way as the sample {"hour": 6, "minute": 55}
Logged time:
{"hour": 1, "minute": 50}
